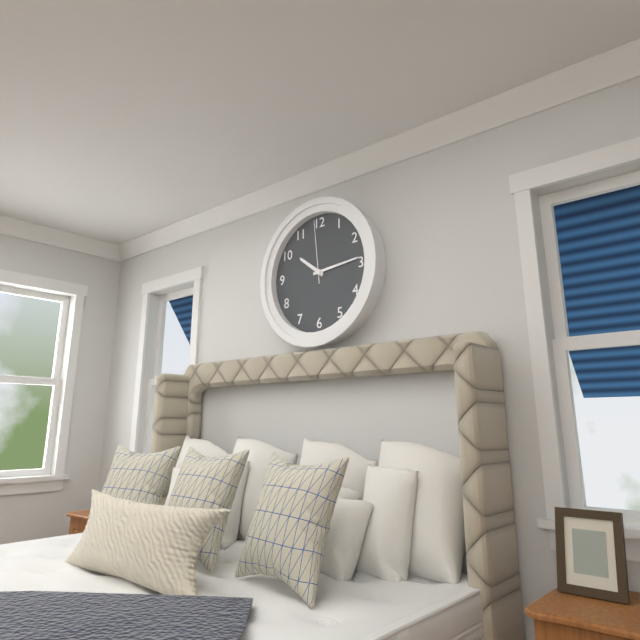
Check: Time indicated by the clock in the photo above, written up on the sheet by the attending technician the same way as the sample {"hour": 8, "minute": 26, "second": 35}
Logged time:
{"hour": 10, "minute": 14, "second": 59}
